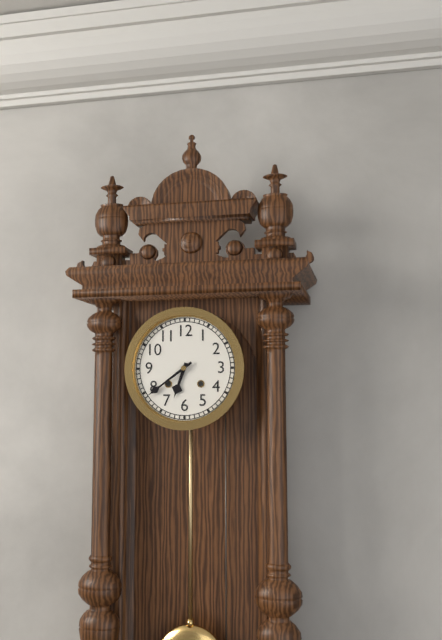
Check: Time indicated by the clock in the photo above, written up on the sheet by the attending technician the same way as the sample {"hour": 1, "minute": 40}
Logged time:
{"hour": 6, "minute": 39}
